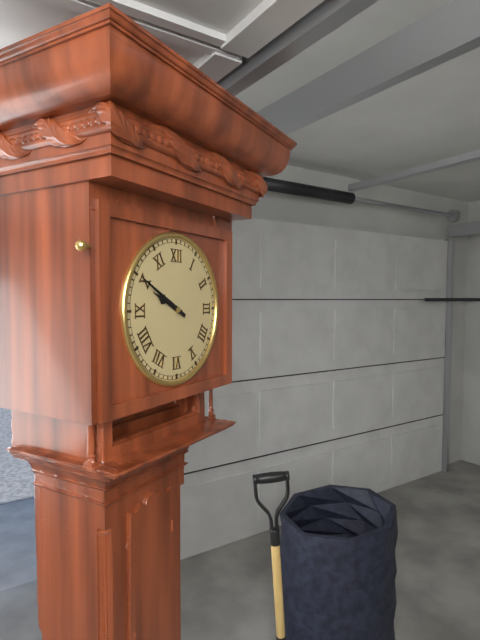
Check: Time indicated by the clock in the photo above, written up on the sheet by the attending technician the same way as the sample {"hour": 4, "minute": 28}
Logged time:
{"hour": 9, "minute": 50}
